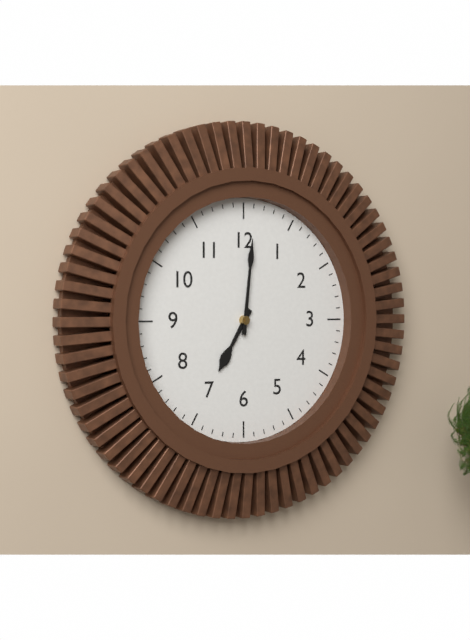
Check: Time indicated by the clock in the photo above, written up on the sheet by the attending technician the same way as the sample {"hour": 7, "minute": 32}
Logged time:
{"hour": 7, "minute": 1}
